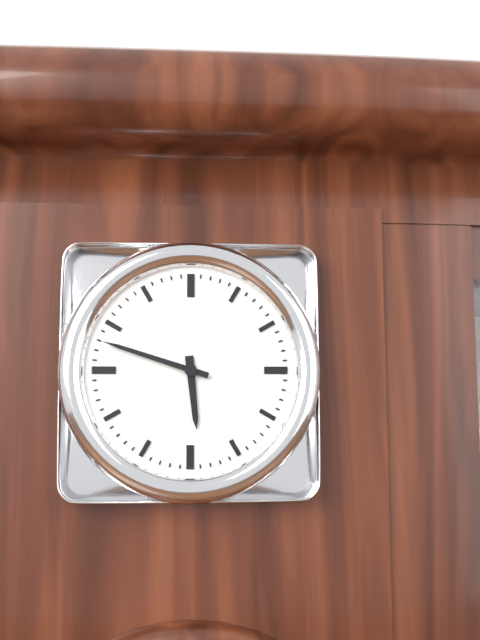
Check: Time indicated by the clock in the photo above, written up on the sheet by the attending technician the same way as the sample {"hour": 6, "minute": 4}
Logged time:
{"hour": 5, "minute": 48}
